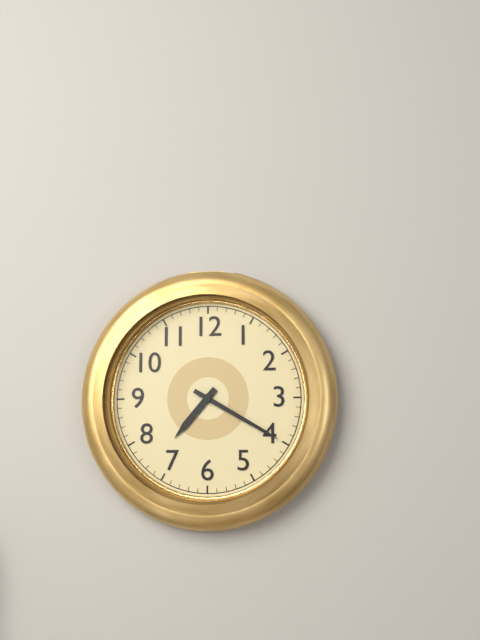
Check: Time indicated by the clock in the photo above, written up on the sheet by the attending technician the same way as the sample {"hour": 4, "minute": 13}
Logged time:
{"hour": 7, "minute": 20}
